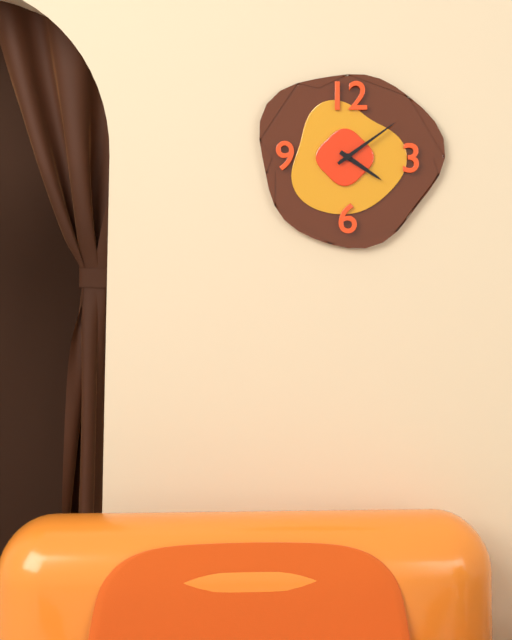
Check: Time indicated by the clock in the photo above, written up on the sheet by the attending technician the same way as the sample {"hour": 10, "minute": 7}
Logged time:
{"hour": 4, "minute": 9}
